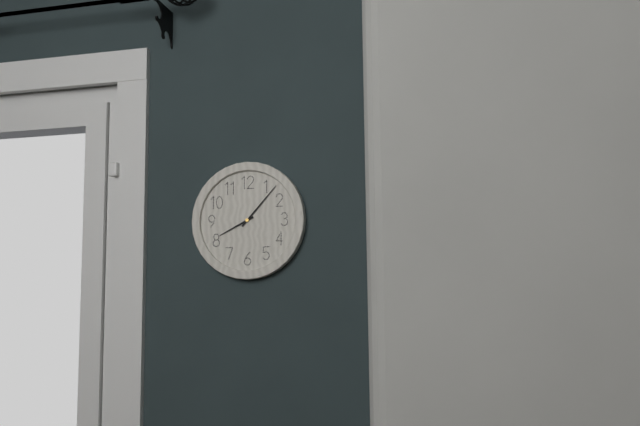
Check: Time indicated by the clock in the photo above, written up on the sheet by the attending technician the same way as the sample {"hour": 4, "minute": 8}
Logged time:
{"hour": 8, "minute": 7}
